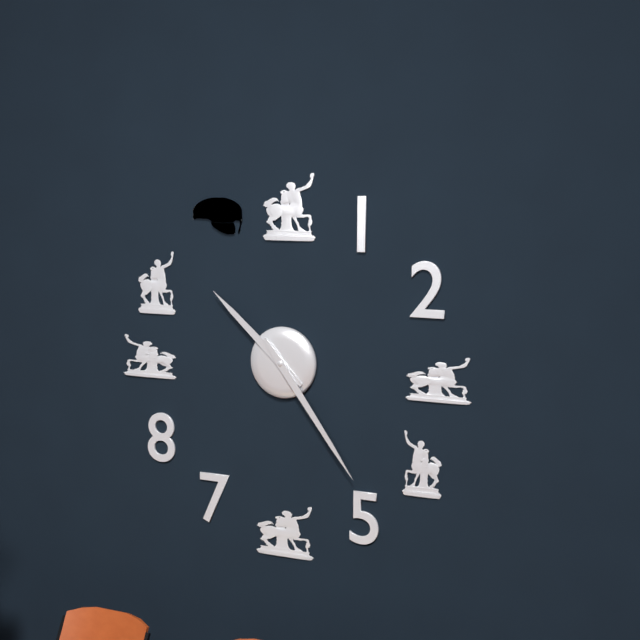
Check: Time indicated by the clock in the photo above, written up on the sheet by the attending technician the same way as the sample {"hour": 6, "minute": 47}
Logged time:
{"hour": 10, "minute": 24}
